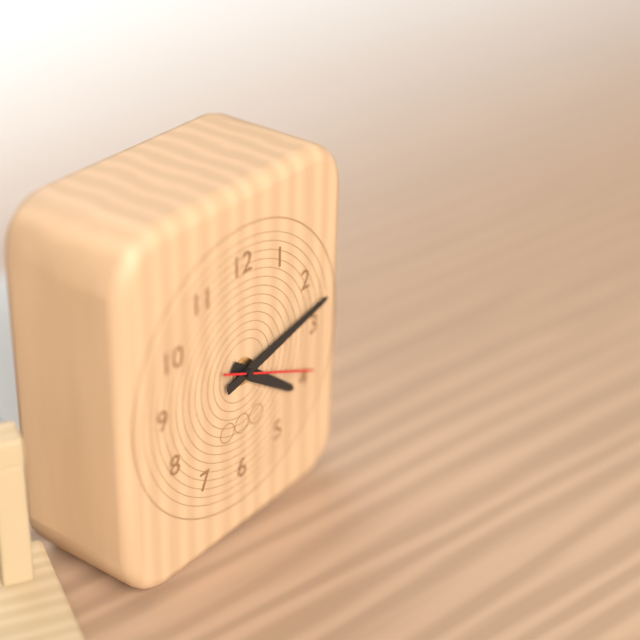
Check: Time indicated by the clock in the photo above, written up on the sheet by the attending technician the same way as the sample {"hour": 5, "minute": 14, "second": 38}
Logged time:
{"hour": 4, "minute": 13, "second": 19}
